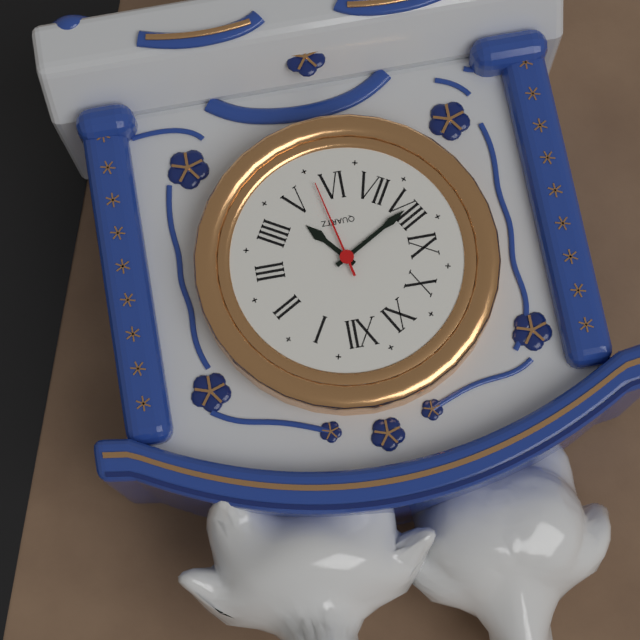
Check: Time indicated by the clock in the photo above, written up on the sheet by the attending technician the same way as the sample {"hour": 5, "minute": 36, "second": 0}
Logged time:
{"hour": 4, "minute": 40, "second": 28}
